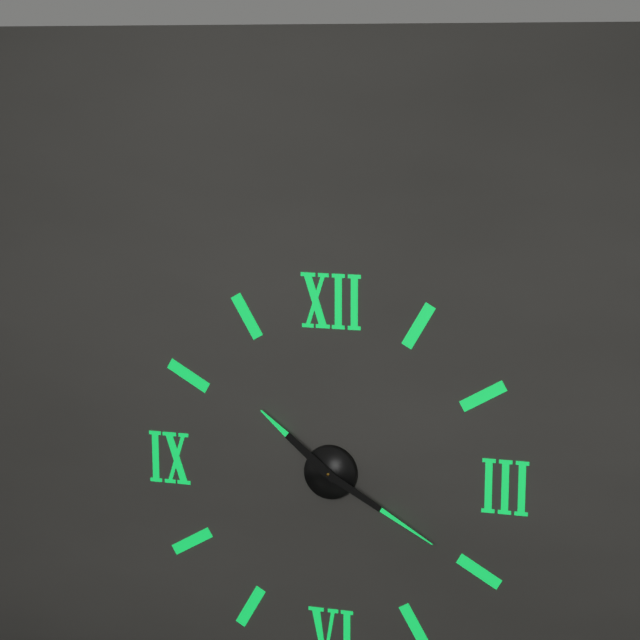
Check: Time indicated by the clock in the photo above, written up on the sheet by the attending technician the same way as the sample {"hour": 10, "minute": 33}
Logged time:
{"hour": 10, "minute": 20}
